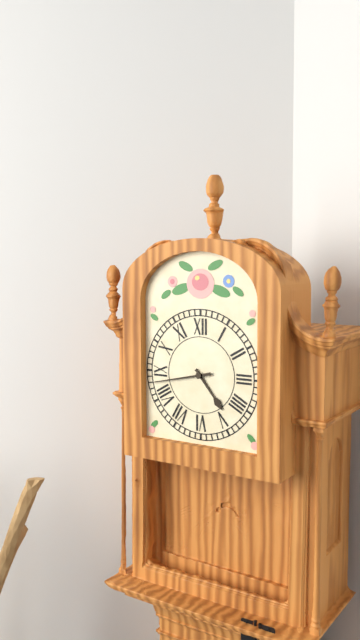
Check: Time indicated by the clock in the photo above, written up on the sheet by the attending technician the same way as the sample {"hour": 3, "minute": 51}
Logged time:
{"hour": 4, "minute": 43}
